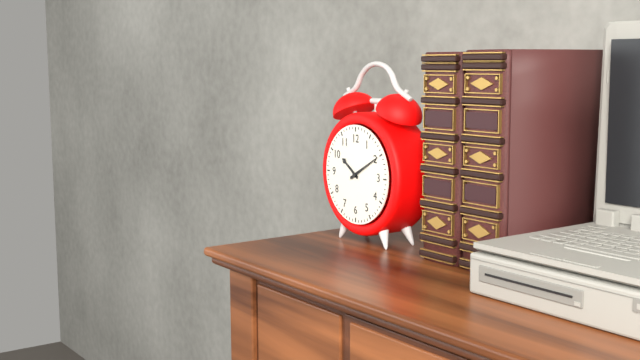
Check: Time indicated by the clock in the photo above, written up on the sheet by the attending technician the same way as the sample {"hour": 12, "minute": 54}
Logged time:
{"hour": 10, "minute": 10}
